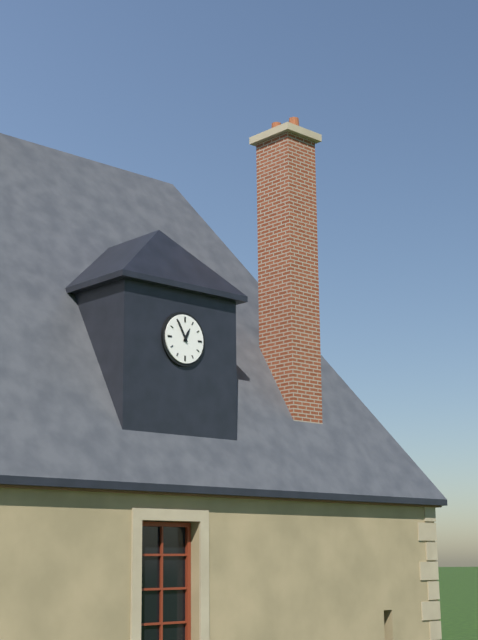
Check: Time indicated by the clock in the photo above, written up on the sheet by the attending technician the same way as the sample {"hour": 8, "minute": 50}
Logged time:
{"hour": 12, "minute": 55}
